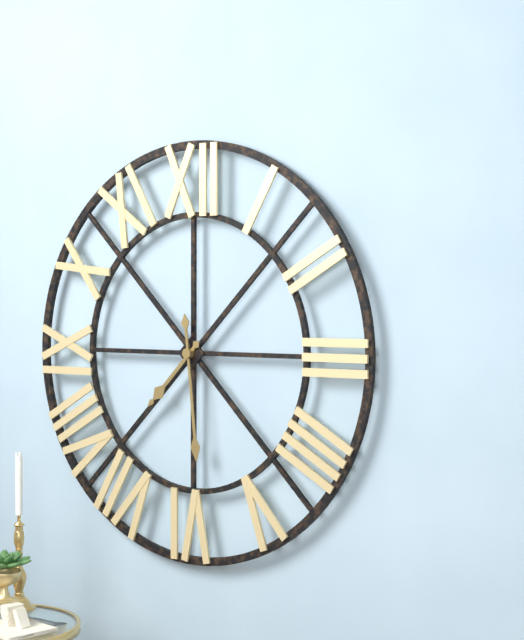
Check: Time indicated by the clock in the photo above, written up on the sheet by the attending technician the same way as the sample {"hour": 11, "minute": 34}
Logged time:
{"hour": 7, "minute": 29}
